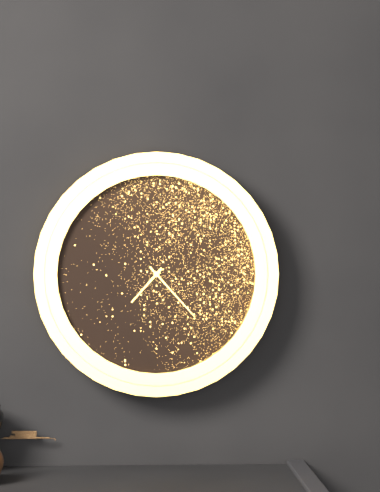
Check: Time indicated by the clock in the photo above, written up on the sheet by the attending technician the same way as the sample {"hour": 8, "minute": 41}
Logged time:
{"hour": 7, "minute": 23}
